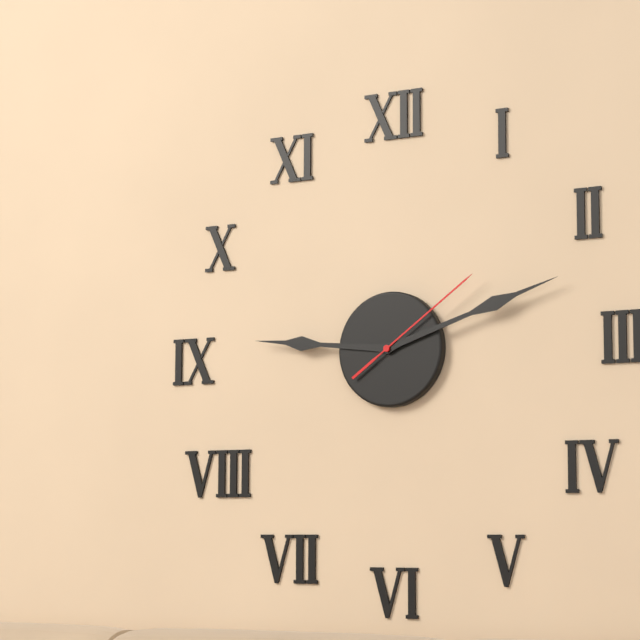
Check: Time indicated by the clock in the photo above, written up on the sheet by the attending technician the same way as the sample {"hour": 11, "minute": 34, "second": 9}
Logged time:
{"hour": 9, "minute": 12, "second": 9}
